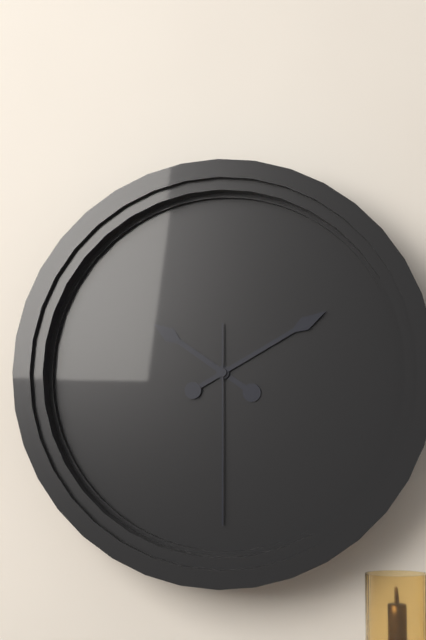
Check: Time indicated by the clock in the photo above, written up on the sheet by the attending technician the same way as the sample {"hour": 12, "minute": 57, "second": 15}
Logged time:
{"hour": 10, "minute": 10, "second": 30}
